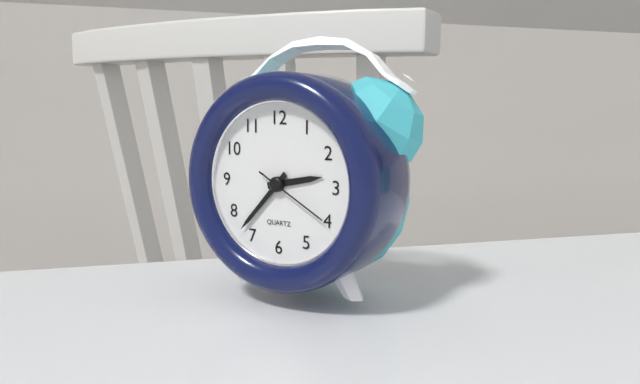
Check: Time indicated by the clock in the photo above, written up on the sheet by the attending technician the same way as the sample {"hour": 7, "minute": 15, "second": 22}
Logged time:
{"hour": 2, "minute": 37, "second": 20}
